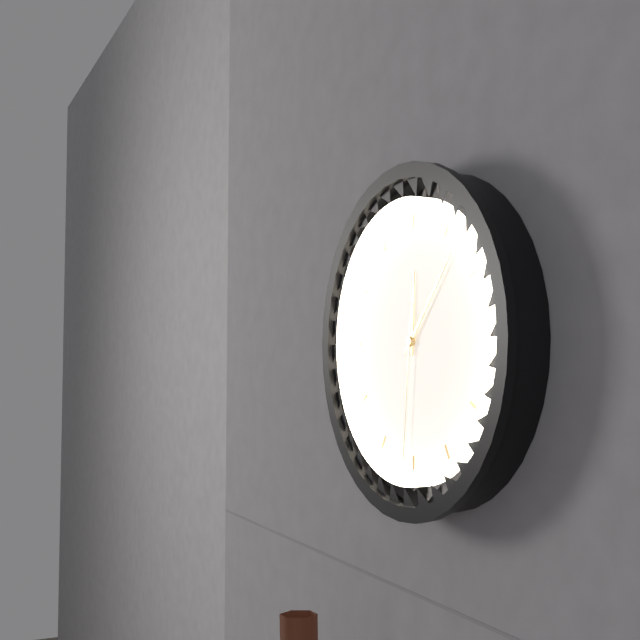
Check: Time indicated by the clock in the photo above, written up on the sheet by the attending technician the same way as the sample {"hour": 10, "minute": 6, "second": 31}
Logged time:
{"hour": 12, "minute": 7, "second": 31}
